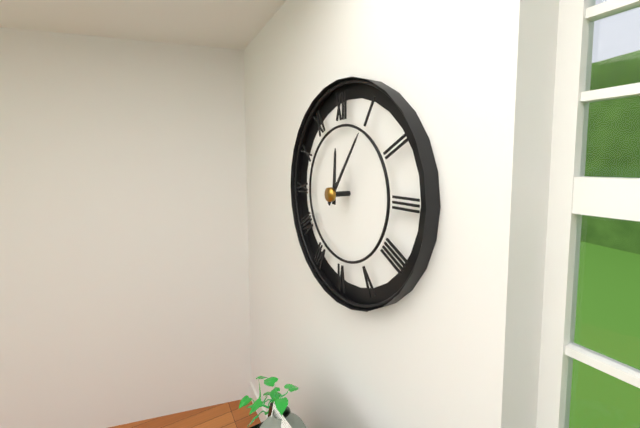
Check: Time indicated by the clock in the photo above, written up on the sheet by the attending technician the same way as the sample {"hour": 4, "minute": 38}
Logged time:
{"hour": 12, "minute": 6}
